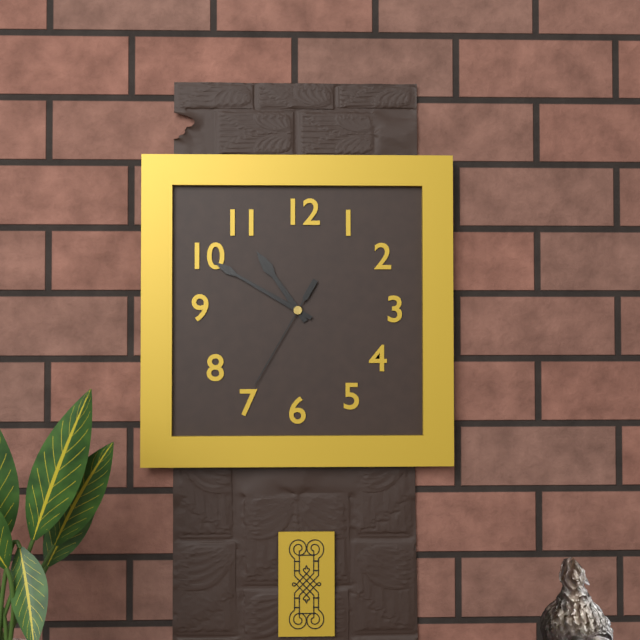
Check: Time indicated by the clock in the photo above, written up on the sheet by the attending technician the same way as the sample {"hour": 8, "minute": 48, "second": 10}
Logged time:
{"hour": 10, "minute": 50, "second": 35}
